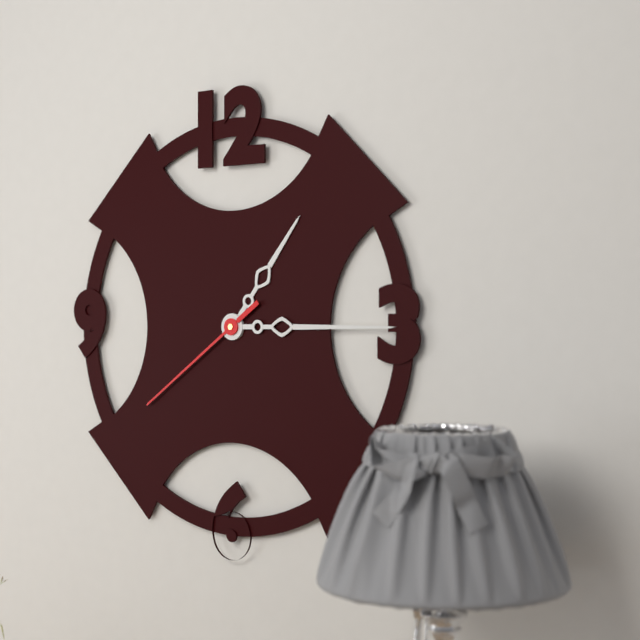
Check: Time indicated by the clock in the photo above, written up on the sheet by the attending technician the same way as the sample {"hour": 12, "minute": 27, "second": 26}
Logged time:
{"hour": 1, "minute": 15, "second": 39}
